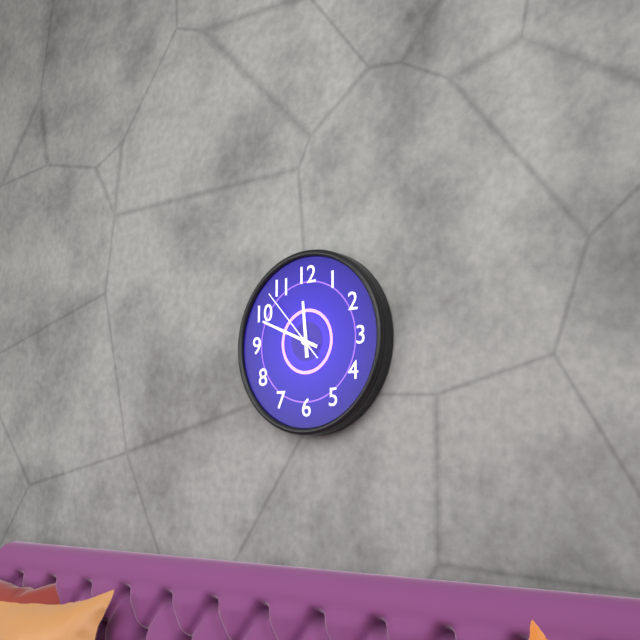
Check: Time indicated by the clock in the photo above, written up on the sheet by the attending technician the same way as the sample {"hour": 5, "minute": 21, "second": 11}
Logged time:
{"hour": 11, "minute": 49, "second": 53}
